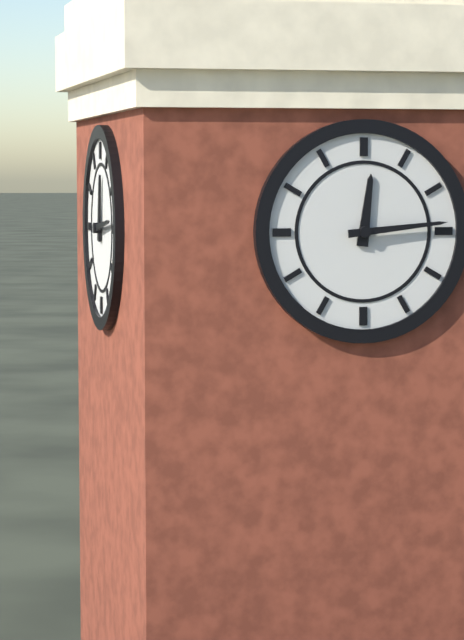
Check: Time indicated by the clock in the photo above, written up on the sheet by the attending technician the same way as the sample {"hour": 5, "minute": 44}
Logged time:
{"hour": 12, "minute": 14}
